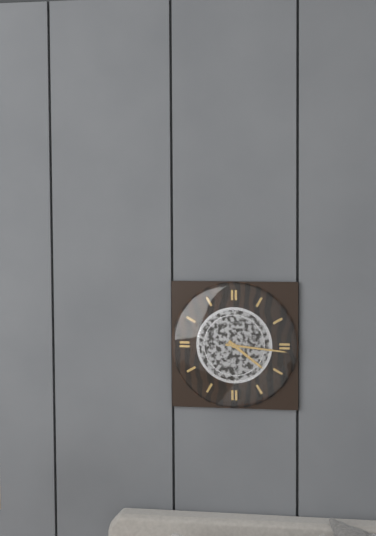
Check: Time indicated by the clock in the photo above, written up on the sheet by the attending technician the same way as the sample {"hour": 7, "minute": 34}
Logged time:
{"hour": 4, "minute": 16}
